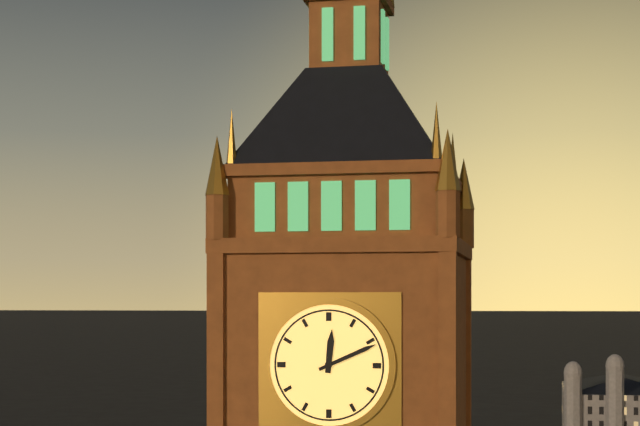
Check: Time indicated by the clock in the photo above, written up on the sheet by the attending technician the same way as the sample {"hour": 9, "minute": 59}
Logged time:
{"hour": 12, "minute": 11}
